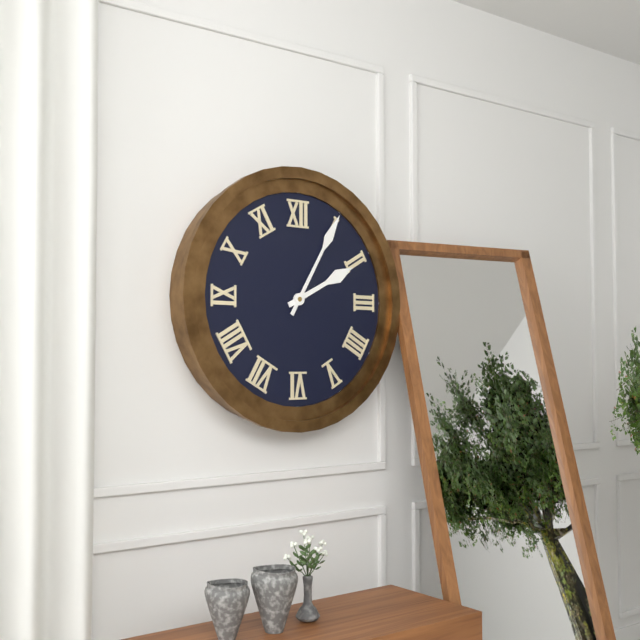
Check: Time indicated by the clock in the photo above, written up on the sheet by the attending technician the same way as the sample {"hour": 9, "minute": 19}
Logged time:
{"hour": 2, "minute": 5}
